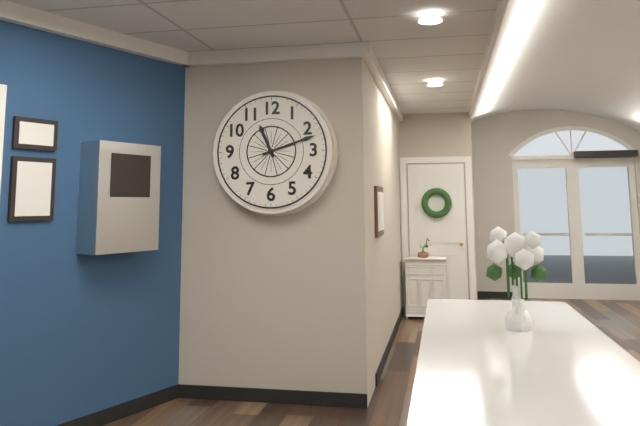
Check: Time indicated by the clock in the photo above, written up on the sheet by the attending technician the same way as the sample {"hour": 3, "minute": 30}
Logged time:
{"hour": 11, "minute": 12}
